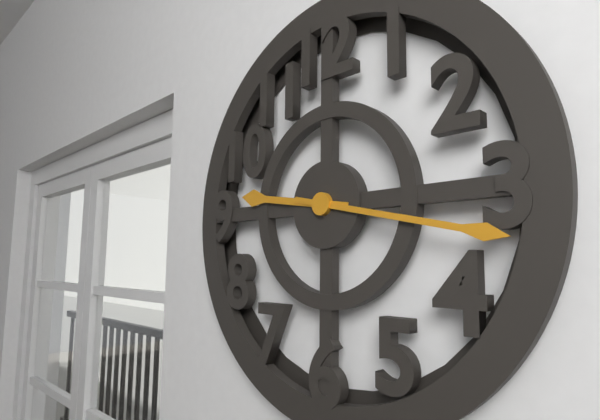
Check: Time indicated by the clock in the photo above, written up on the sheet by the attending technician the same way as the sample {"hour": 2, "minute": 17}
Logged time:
{"hour": 9, "minute": 17}
